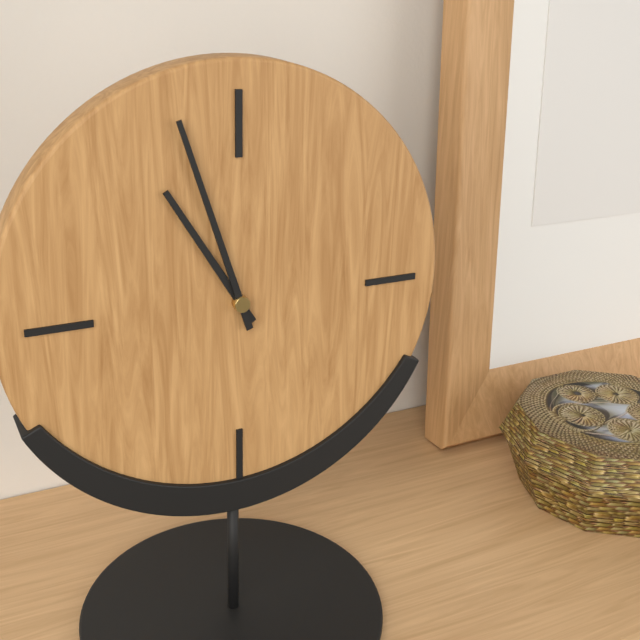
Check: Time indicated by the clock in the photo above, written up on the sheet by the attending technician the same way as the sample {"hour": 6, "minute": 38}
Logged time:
{"hour": 10, "minute": 57}
